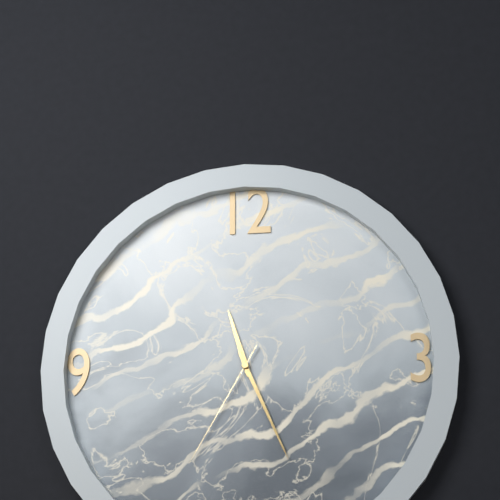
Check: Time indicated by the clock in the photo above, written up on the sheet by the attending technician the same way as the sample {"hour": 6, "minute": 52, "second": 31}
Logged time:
{"hour": 11, "minute": 26, "second": 35}
